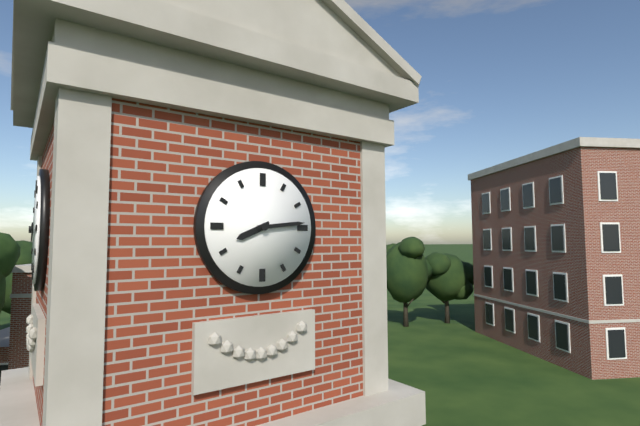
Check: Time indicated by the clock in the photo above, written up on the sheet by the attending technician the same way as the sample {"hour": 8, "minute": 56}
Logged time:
{"hour": 8, "minute": 14}
